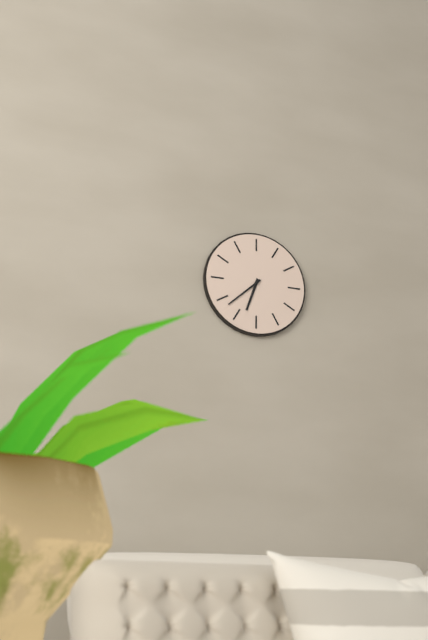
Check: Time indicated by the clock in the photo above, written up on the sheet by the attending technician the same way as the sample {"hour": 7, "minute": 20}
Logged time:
{"hour": 6, "minute": 38}
